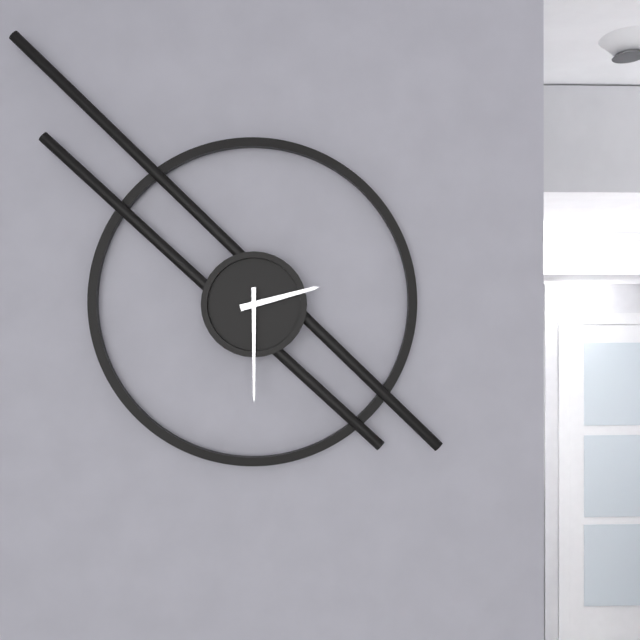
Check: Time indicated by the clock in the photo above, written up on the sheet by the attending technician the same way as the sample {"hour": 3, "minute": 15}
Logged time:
{"hour": 2, "minute": 30}
